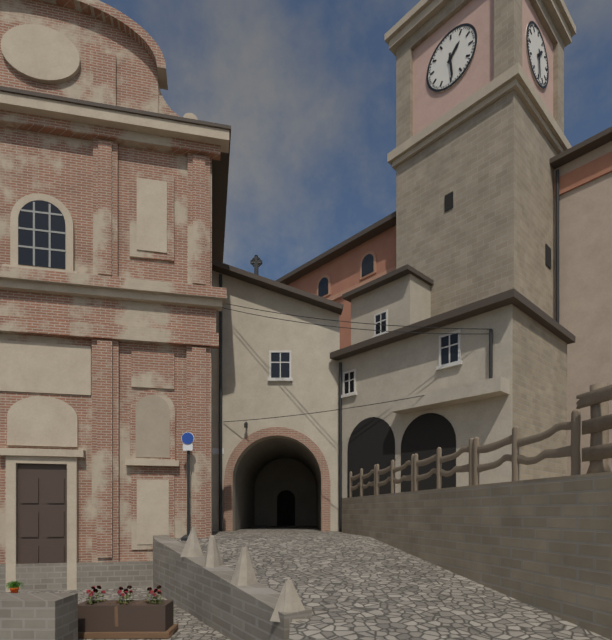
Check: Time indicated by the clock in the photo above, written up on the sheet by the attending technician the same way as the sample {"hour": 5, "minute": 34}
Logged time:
{"hour": 1, "minute": 29}
